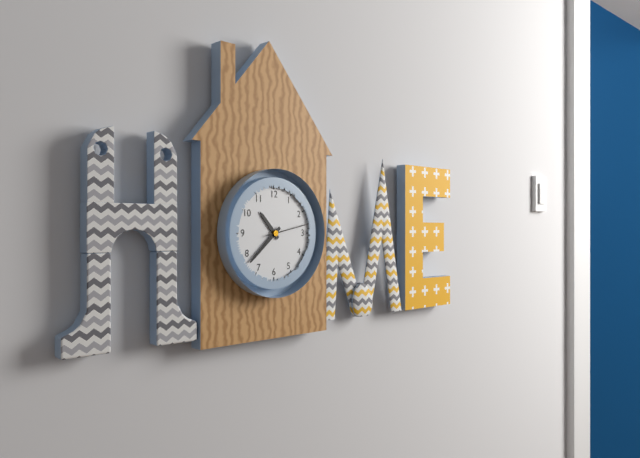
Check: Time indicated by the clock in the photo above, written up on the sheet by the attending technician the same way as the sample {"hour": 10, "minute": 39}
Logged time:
{"hour": 10, "minute": 38}
